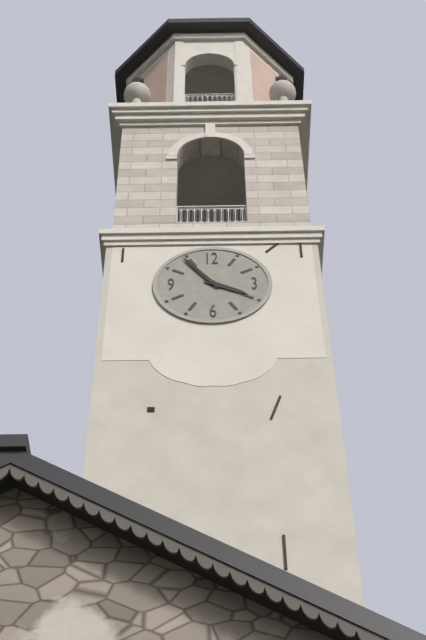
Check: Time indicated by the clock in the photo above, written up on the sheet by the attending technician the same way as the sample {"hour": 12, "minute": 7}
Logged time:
{"hour": 3, "minute": 54}
